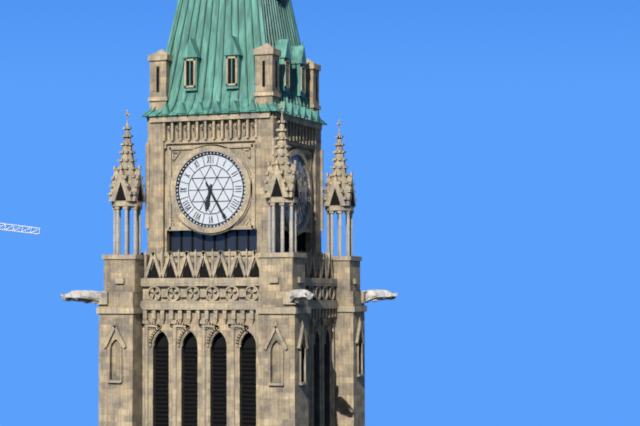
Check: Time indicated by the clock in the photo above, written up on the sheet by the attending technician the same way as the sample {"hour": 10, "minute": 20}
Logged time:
{"hour": 6, "minute": 25}
